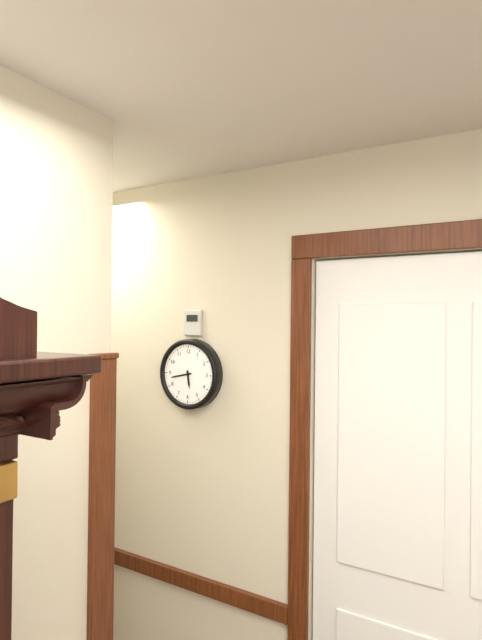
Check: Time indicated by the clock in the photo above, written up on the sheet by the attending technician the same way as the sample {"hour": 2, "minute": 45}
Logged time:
{"hour": 5, "minute": 43}
